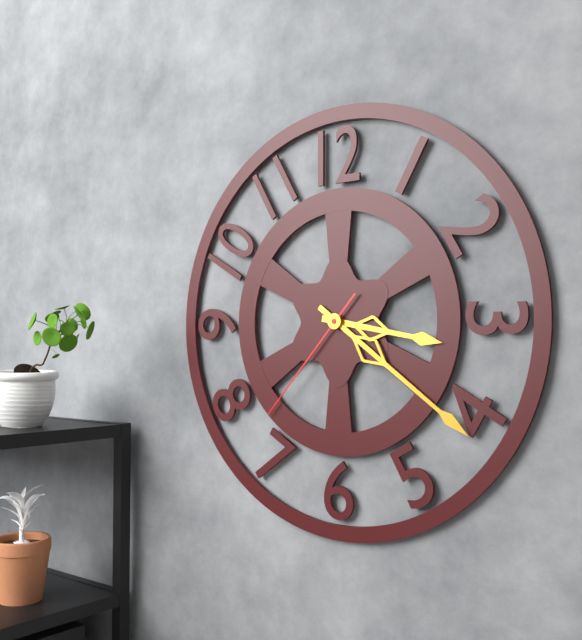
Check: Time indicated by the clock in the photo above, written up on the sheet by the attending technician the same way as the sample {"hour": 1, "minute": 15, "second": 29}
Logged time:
{"hour": 3, "minute": 21, "second": 37}
